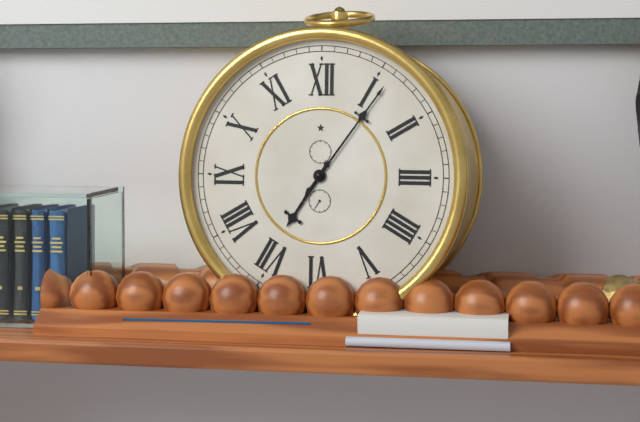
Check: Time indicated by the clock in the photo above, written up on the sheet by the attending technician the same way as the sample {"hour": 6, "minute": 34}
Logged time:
{"hour": 7, "minute": 6}
